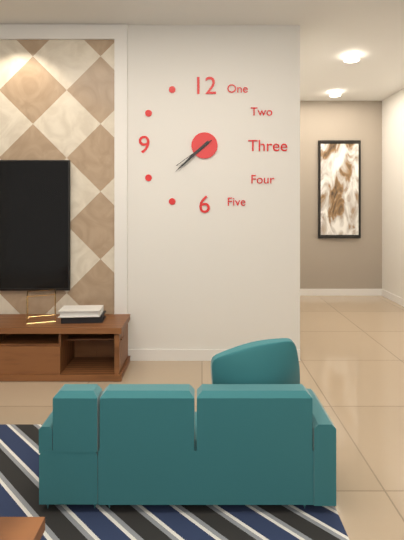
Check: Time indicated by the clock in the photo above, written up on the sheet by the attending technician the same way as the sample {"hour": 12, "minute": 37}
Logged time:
{"hour": 7, "minute": 38}
